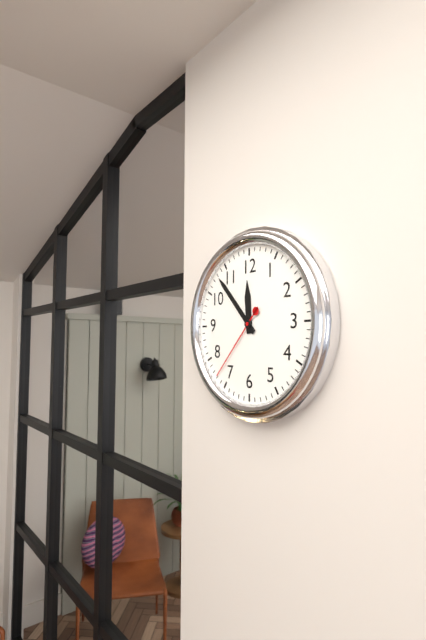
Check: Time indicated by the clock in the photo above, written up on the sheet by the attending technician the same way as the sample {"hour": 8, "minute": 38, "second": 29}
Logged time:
{"hour": 11, "minute": 53, "second": 37}
